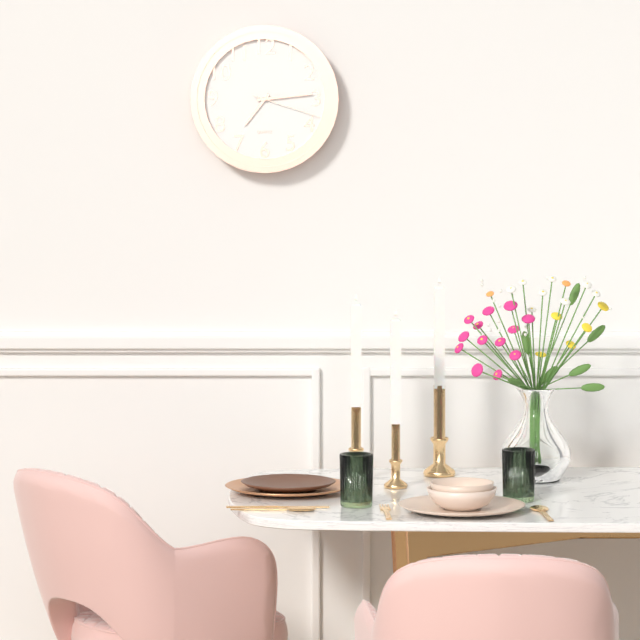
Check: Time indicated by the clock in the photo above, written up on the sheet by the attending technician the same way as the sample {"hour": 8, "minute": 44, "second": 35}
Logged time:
{"hour": 7, "minute": 14, "second": 18}
